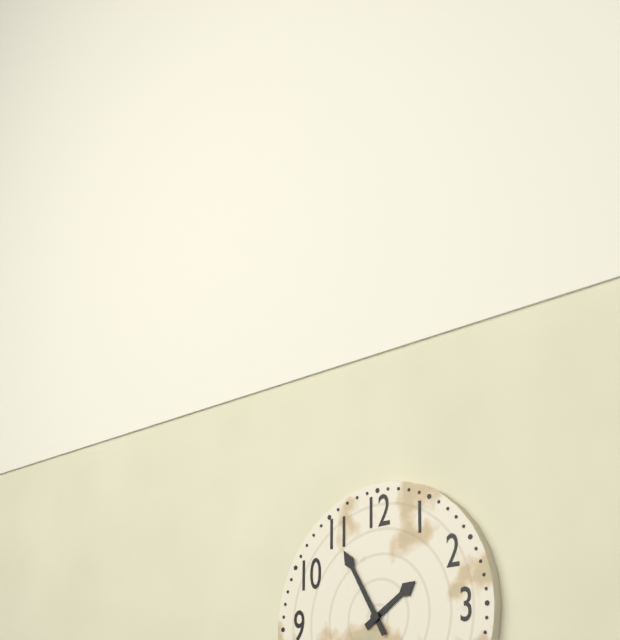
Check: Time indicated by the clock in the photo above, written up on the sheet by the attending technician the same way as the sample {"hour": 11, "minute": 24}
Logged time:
{"hour": 1, "minute": 55}
